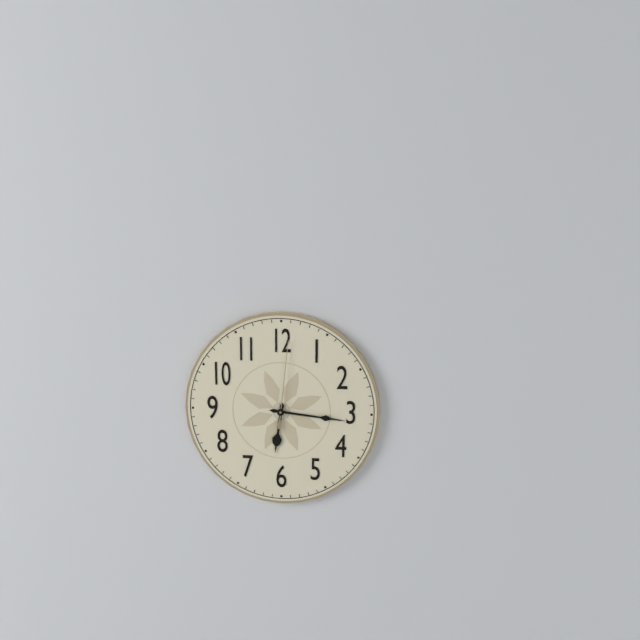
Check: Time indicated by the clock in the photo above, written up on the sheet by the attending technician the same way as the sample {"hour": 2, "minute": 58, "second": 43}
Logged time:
{"hour": 6, "minute": 16, "second": 1}
